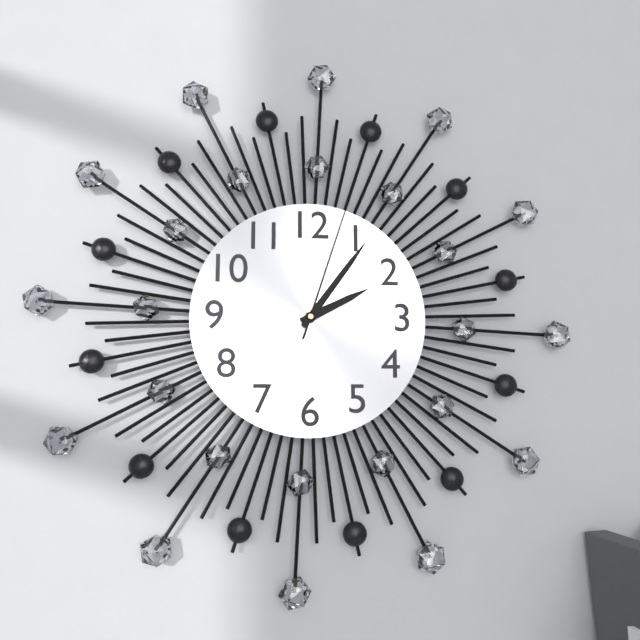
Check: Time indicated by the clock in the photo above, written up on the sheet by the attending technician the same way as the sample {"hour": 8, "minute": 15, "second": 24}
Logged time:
{"hour": 2, "minute": 6, "second": 3}
